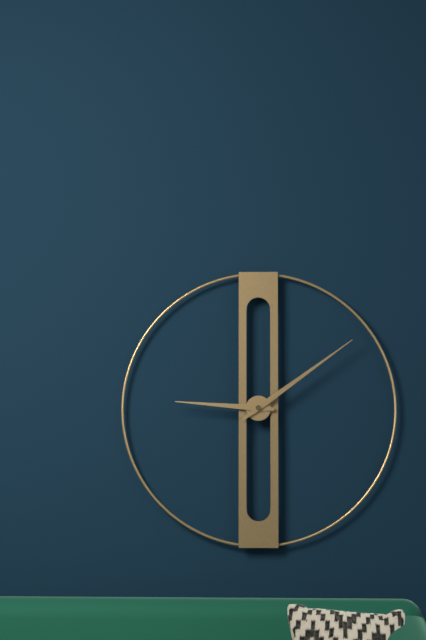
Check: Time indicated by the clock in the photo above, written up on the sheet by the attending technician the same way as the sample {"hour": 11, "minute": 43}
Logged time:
{"hour": 9, "minute": 9}
